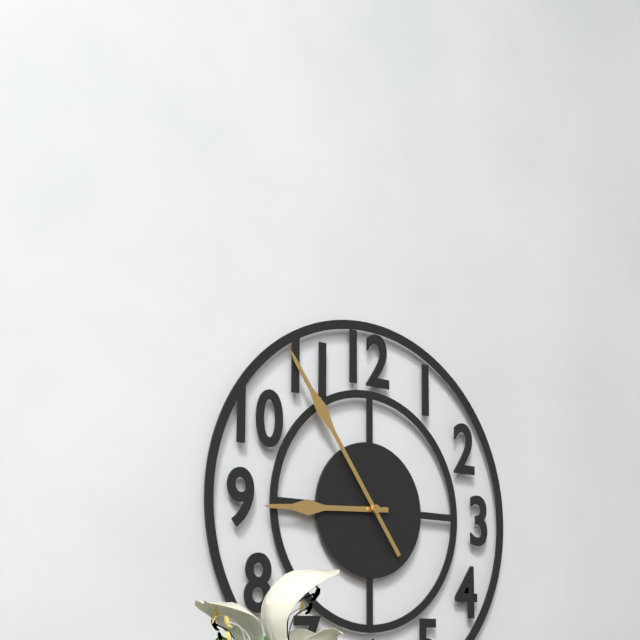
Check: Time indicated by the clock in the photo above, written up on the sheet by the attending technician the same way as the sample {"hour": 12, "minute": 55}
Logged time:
{"hour": 8, "minute": 54}
